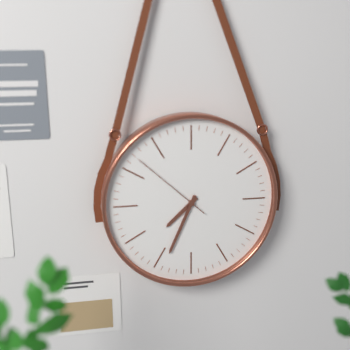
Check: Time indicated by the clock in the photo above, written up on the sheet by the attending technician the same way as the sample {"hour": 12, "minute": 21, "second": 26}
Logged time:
{"hour": 7, "minute": 34, "second": 52}
